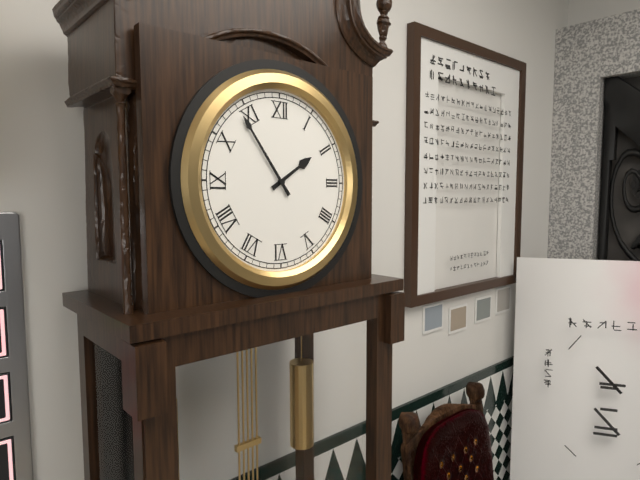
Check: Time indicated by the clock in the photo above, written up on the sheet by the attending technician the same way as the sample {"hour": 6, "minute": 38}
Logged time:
{"hour": 1, "minute": 54}
